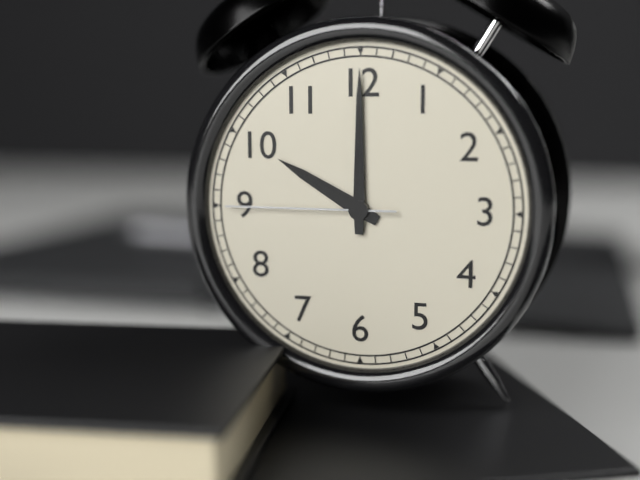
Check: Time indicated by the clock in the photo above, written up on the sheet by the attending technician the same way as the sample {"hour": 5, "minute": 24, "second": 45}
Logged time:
{"hour": 10, "minute": 0, "second": 45}
